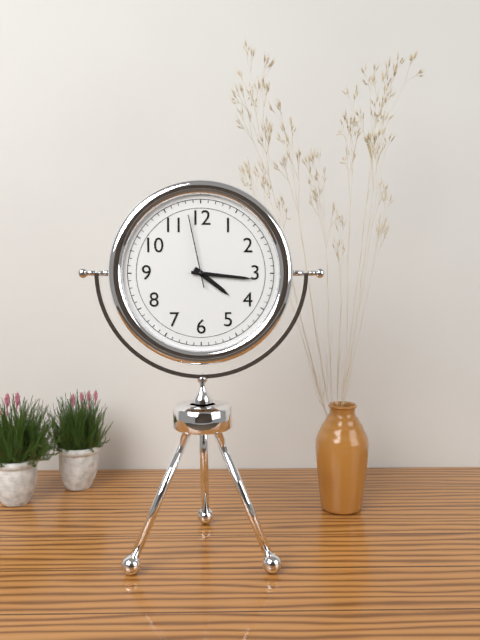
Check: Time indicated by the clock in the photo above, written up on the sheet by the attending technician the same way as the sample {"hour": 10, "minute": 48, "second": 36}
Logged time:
{"hour": 4, "minute": 16, "second": 58}
